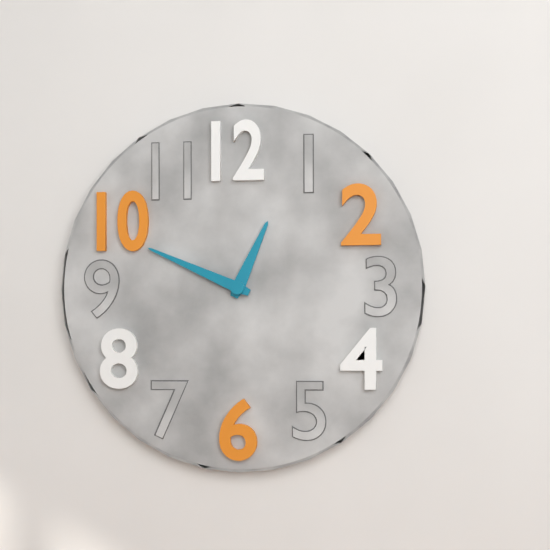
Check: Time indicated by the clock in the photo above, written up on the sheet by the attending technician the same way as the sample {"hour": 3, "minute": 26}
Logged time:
{"hour": 12, "minute": 49}
